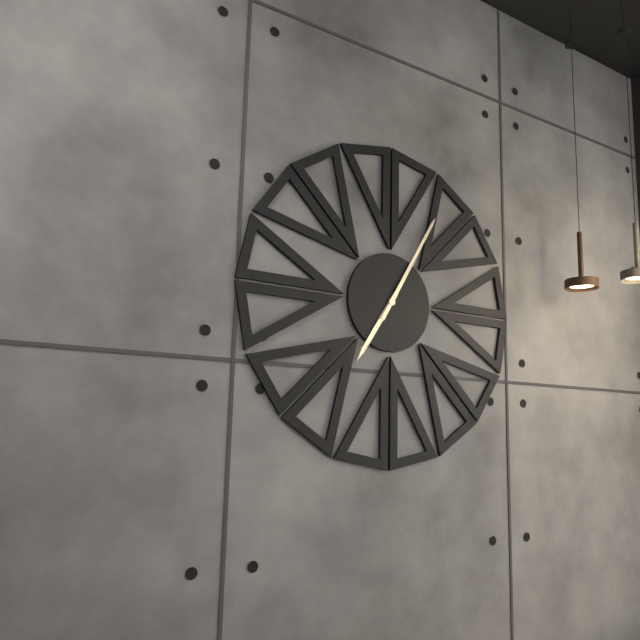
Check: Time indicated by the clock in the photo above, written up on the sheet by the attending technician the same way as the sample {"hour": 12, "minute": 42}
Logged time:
{"hour": 7, "minute": 5}
